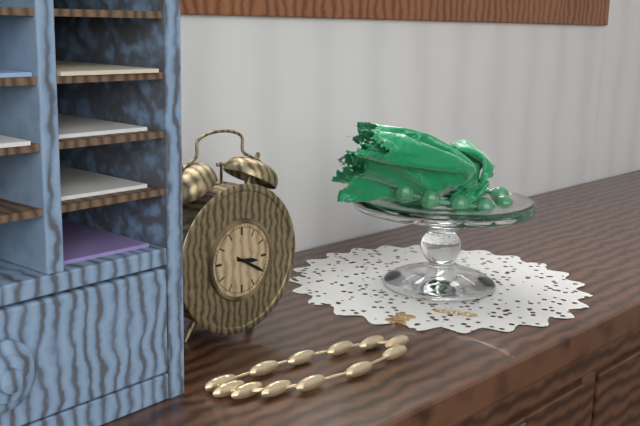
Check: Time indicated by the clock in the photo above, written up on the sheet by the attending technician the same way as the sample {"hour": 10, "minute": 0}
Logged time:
{"hour": 3, "minute": 20}
